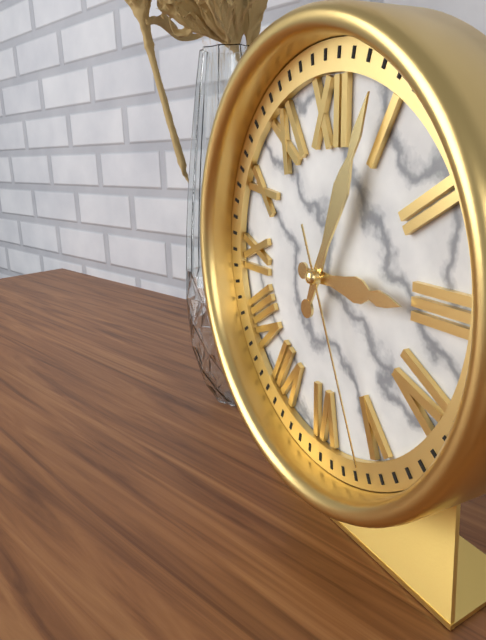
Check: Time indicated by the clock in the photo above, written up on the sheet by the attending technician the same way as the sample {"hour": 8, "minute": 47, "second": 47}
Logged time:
{"hour": 3, "minute": 4, "second": 26}
